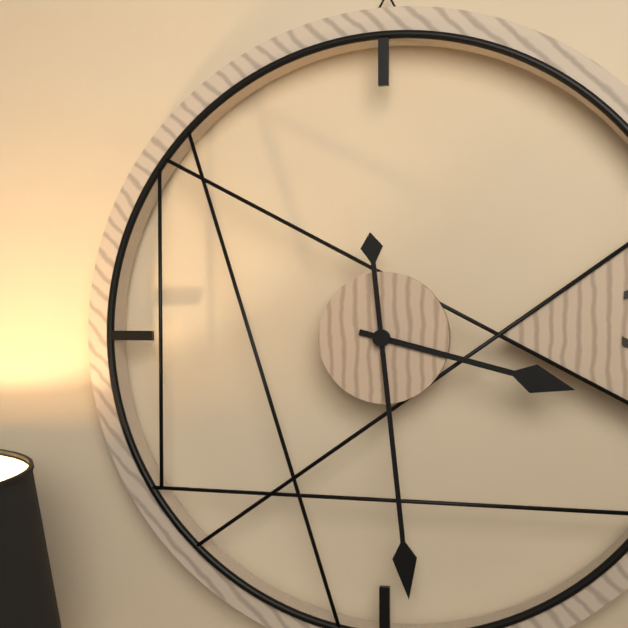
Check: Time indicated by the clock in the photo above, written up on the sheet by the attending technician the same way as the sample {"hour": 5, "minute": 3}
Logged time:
{"hour": 3, "minute": 29}
